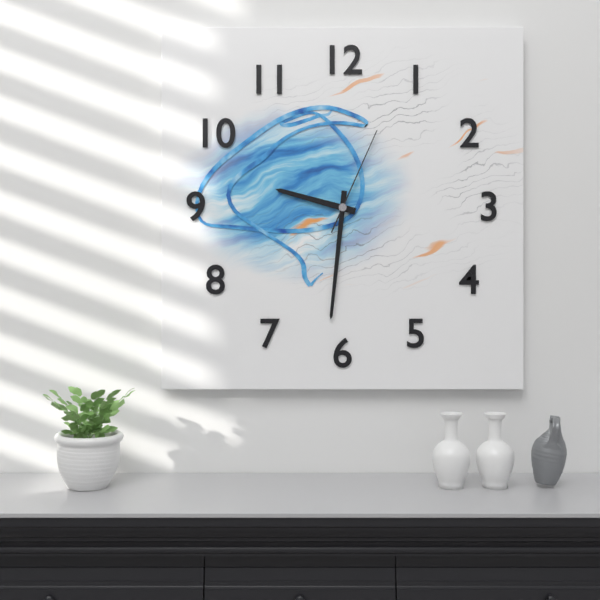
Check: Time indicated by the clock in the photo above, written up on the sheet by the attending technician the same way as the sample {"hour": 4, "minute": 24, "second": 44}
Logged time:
{"hour": 9, "minute": 31, "second": 4}
